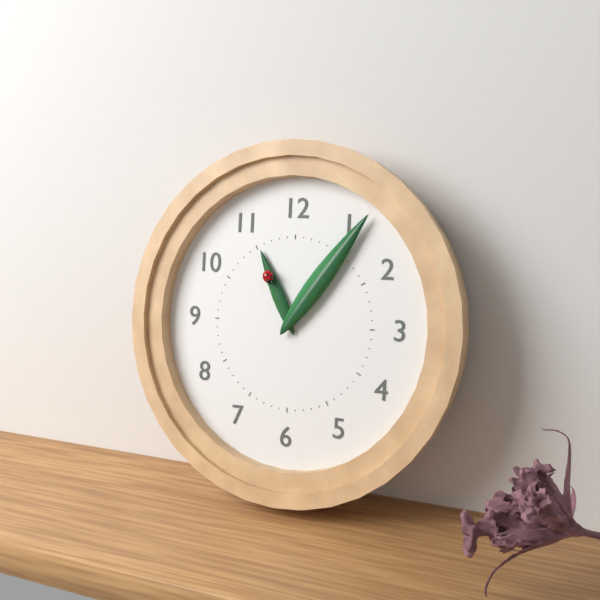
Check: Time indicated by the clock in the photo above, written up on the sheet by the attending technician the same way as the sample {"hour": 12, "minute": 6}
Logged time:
{"hour": 11, "minute": 6}
